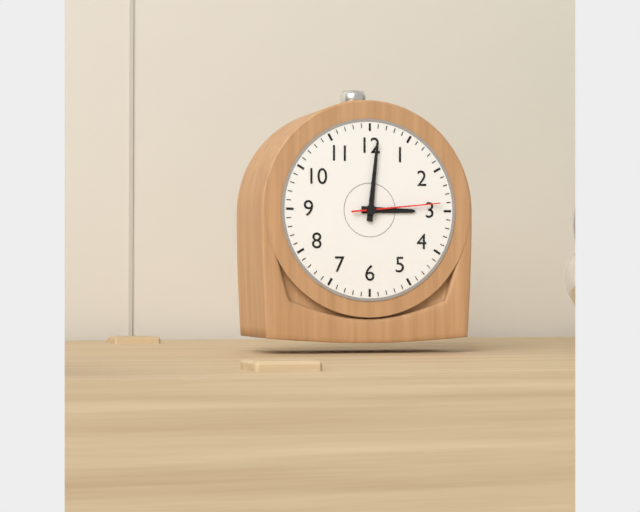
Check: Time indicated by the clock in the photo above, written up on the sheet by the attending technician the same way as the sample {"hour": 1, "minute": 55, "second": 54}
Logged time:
{"hour": 3, "minute": 1, "second": 14}
